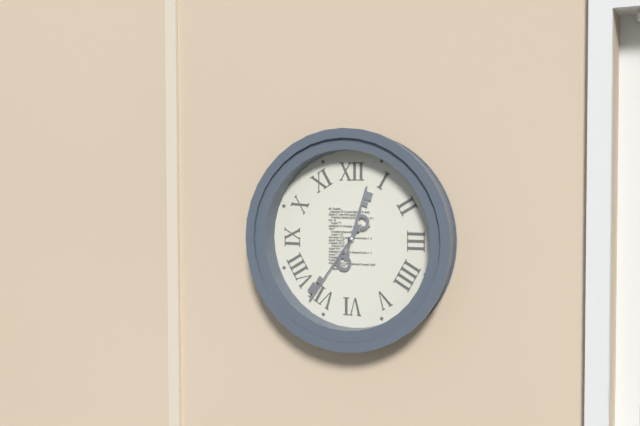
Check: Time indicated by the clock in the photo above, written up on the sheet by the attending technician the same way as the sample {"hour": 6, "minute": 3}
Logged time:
{"hour": 12, "minute": 36}
